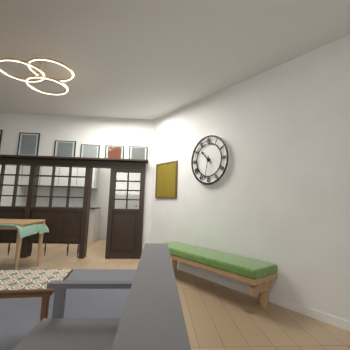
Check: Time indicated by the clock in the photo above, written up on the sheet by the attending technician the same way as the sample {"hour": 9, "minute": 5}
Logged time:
{"hour": 10, "minute": 32}
